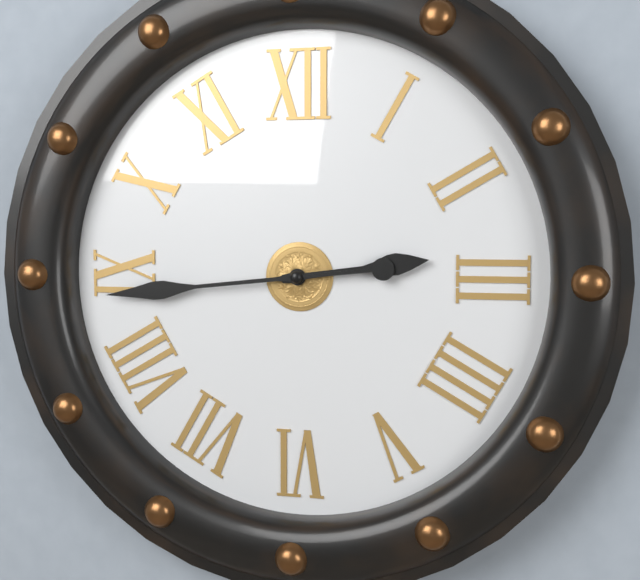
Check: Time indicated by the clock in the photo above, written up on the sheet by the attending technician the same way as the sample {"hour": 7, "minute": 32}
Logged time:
{"hour": 2, "minute": 44}
